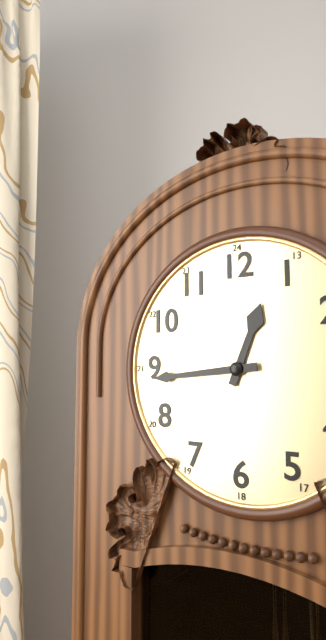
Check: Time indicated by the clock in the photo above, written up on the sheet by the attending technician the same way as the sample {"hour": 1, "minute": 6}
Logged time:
{"hour": 12, "minute": 44}
